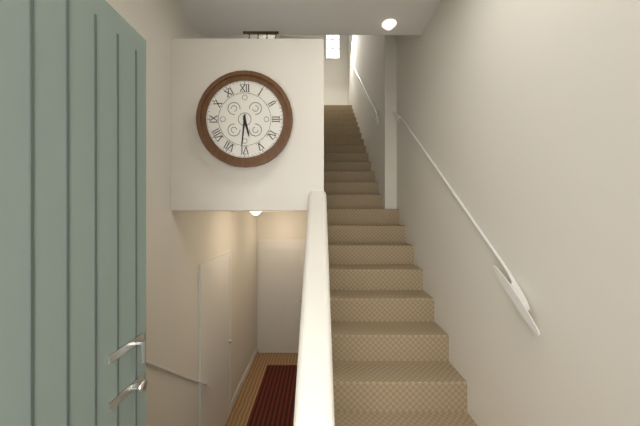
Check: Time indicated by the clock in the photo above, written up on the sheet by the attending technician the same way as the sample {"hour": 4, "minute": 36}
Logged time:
{"hour": 5, "minute": 31}
